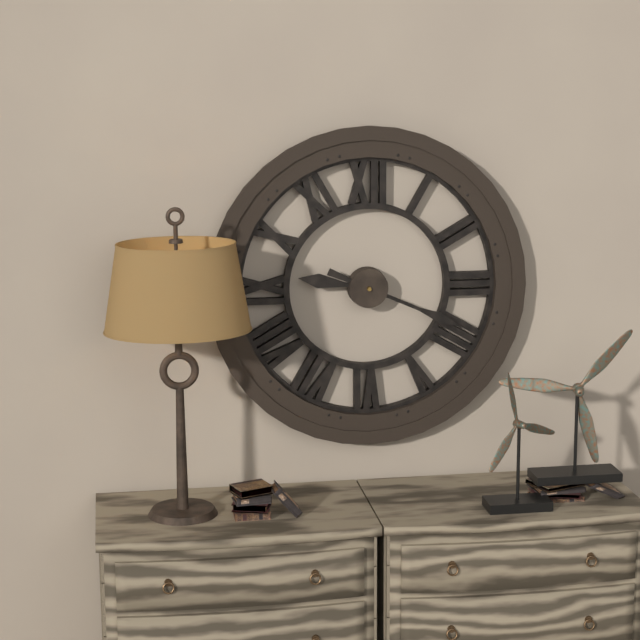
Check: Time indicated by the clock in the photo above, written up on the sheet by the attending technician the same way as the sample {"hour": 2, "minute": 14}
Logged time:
{"hour": 9, "minute": 19}
